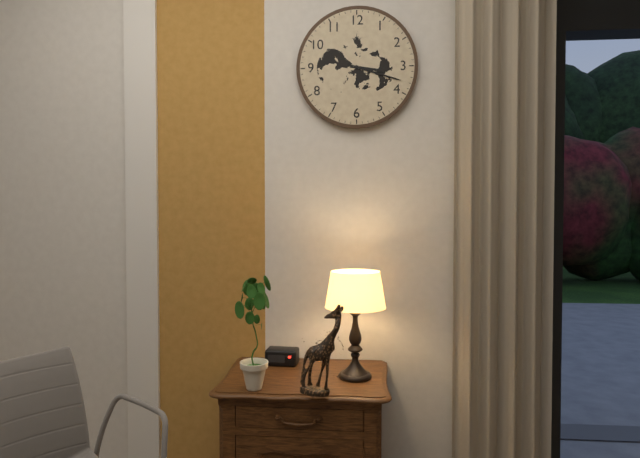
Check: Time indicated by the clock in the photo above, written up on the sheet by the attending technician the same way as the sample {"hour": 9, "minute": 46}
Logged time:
{"hour": 3, "minute": 18}
